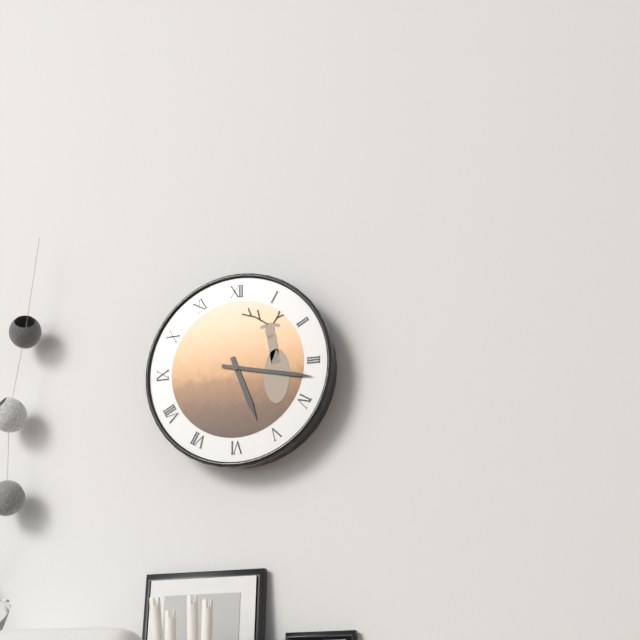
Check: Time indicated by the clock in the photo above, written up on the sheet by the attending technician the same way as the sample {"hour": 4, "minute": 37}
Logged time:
{"hour": 5, "minute": 17}
